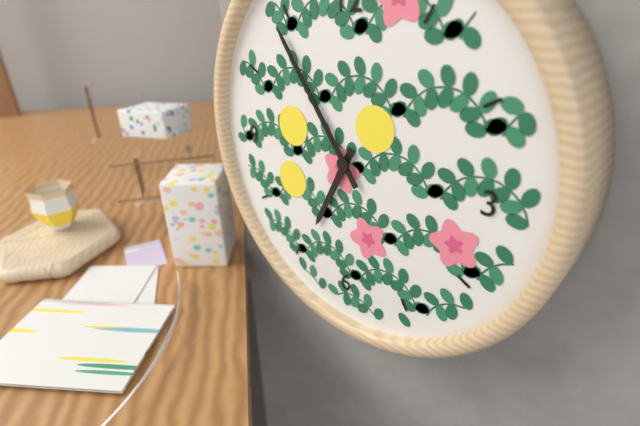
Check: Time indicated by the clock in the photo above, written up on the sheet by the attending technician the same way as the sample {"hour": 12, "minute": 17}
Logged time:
{"hour": 6, "minute": 54}
